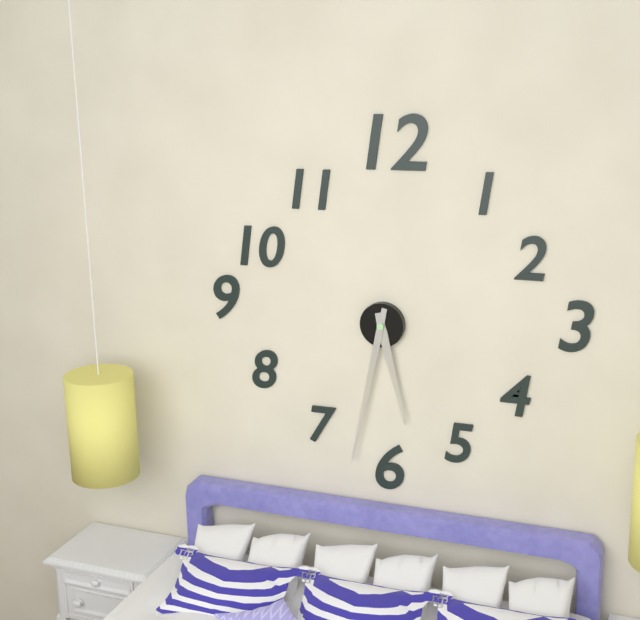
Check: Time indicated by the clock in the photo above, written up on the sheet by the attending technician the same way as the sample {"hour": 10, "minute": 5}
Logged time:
{"hour": 5, "minute": 32}
